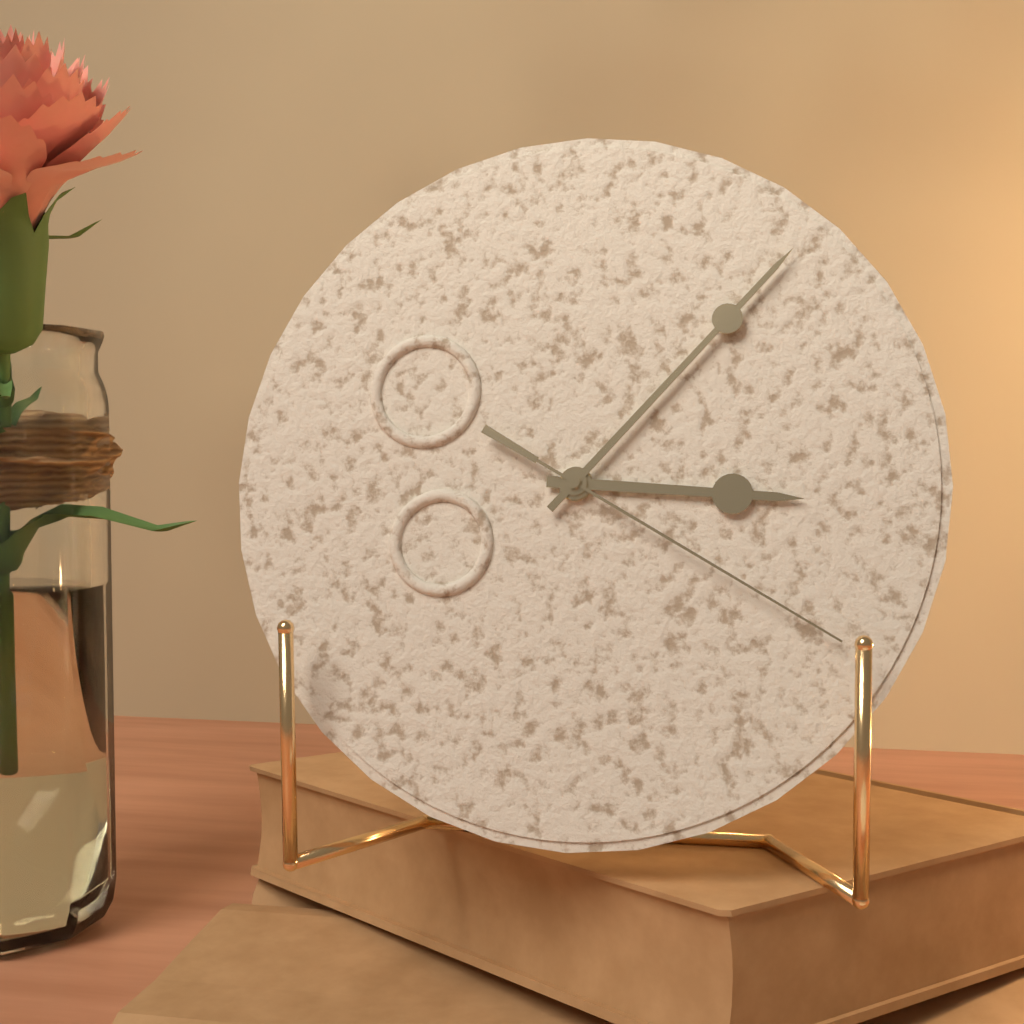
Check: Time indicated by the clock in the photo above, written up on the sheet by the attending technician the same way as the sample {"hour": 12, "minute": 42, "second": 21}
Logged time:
{"hour": 3, "minute": 7, "second": 20}
